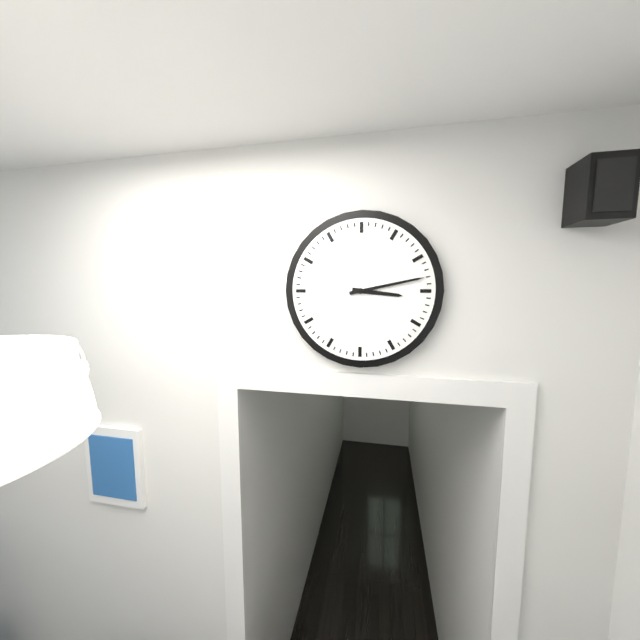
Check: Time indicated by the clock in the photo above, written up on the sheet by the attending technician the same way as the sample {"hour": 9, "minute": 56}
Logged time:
{"hour": 3, "minute": 13}
